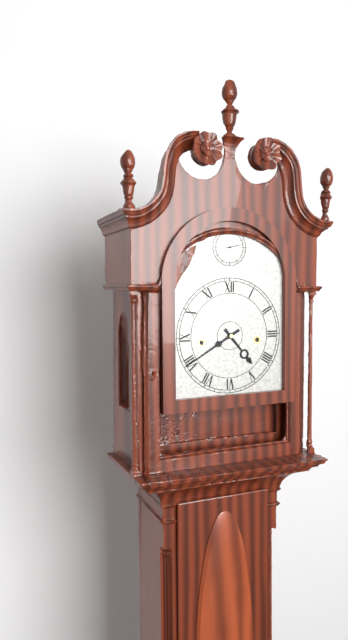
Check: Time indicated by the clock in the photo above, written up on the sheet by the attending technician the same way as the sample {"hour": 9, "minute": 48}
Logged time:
{"hour": 4, "minute": 40}
